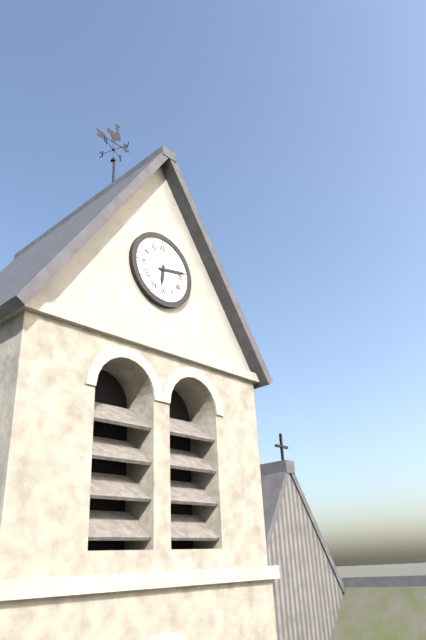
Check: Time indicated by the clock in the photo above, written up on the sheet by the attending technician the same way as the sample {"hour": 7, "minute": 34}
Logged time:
{"hour": 6, "minute": 13}
